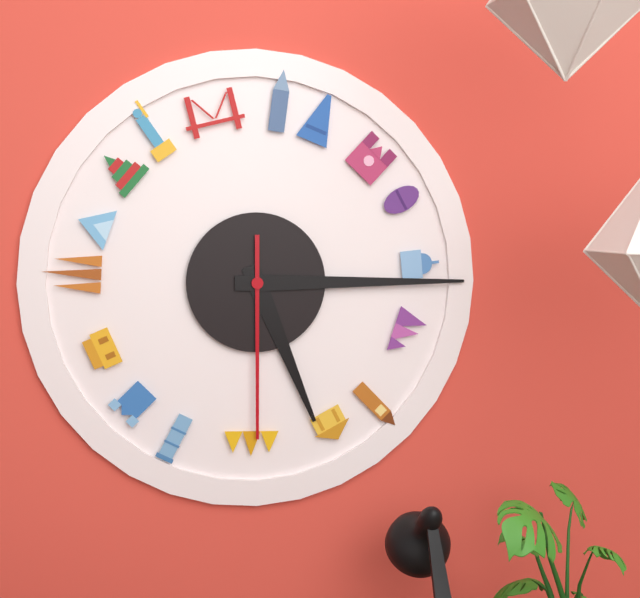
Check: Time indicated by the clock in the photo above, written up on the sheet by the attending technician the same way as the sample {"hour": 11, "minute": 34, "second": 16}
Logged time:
{"hour": 5, "minute": 15, "second": 30}
